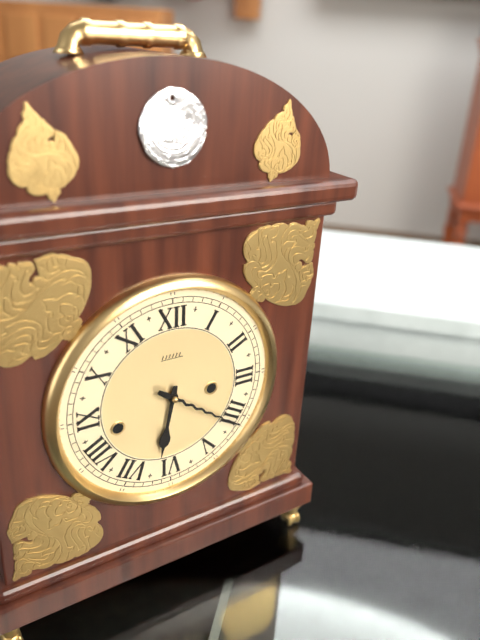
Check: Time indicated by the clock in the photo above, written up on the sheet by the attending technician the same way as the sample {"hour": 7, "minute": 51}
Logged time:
{"hour": 6, "minute": 21}
